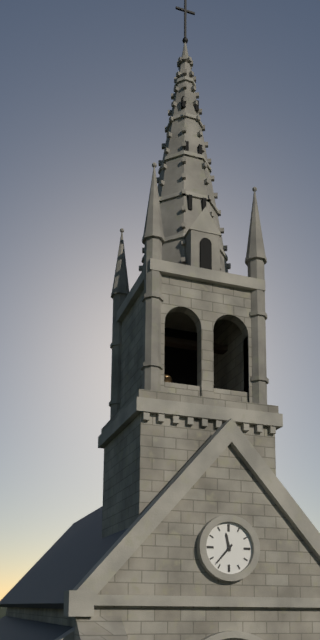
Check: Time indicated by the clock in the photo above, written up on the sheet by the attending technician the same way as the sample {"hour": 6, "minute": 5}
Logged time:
{"hour": 11, "minute": 37}
